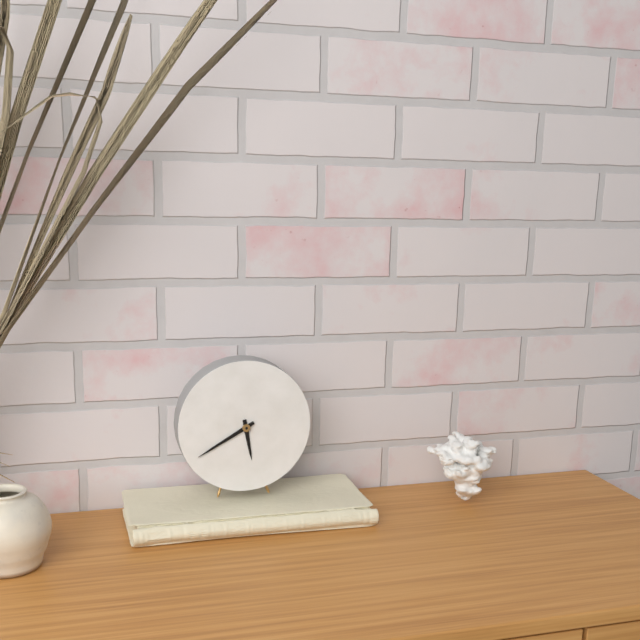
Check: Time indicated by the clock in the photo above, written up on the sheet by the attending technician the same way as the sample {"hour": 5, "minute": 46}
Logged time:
{"hour": 5, "minute": 40}
